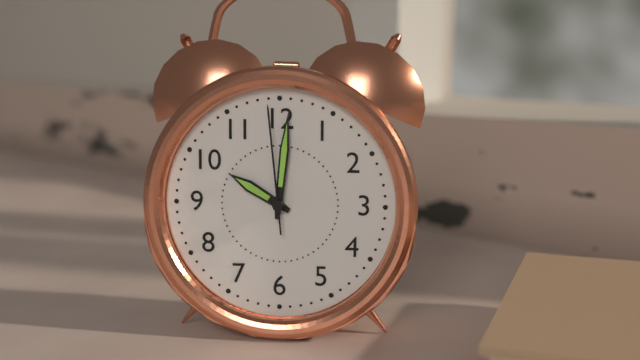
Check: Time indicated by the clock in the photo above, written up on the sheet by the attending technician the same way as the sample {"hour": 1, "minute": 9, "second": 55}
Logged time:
{"hour": 10, "minute": 1, "second": 59}
